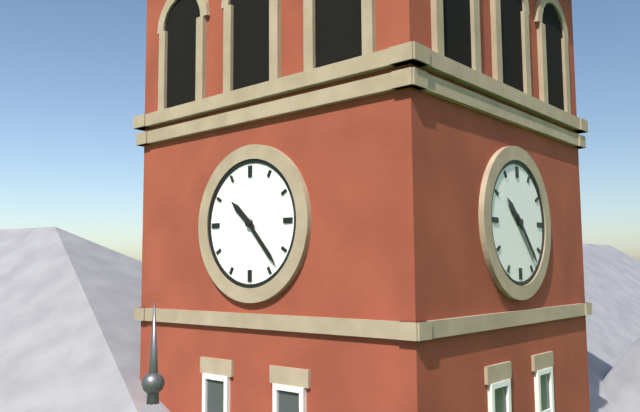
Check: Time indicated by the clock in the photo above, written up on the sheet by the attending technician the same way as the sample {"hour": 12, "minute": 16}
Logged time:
{"hour": 10, "minute": 23}
